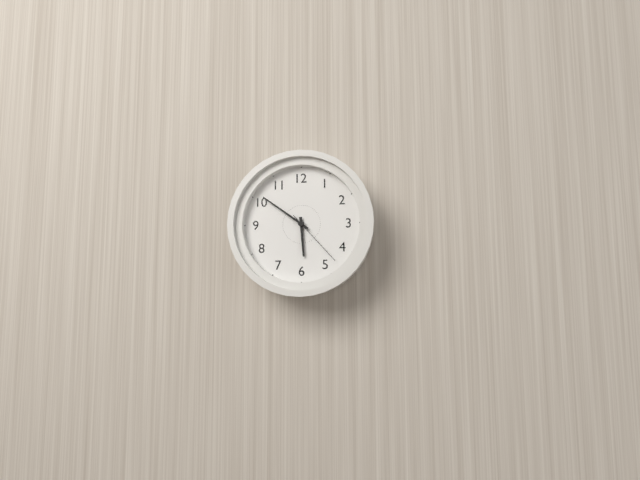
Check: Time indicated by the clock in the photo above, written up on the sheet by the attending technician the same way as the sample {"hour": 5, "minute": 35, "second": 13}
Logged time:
{"hour": 5, "minute": 51, "second": 23}
